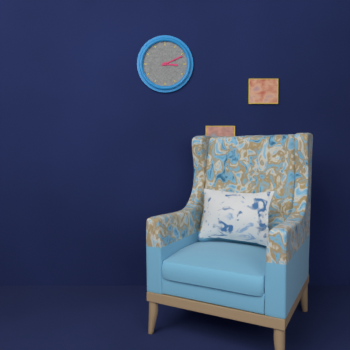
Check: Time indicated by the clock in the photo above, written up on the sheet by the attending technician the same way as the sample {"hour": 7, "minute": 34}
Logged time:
{"hour": 3, "minute": 11}
